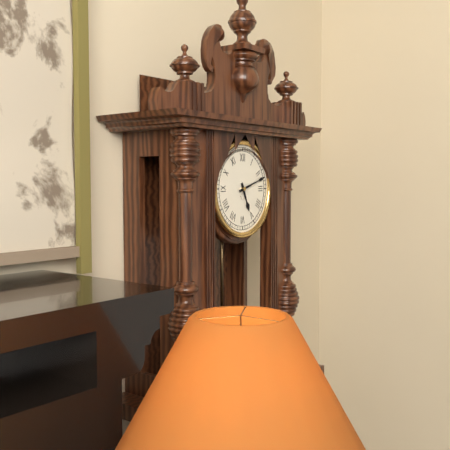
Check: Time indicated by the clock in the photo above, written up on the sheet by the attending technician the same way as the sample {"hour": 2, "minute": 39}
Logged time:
{"hour": 5, "minute": 12}
